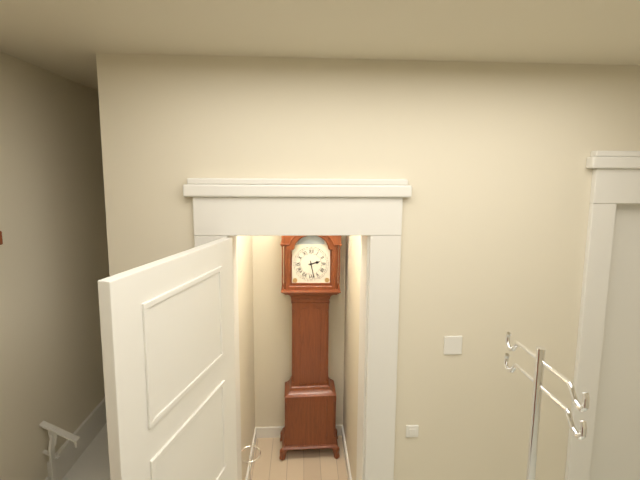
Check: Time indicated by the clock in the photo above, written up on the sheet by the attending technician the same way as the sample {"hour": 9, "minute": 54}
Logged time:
{"hour": 2, "minute": 28}
